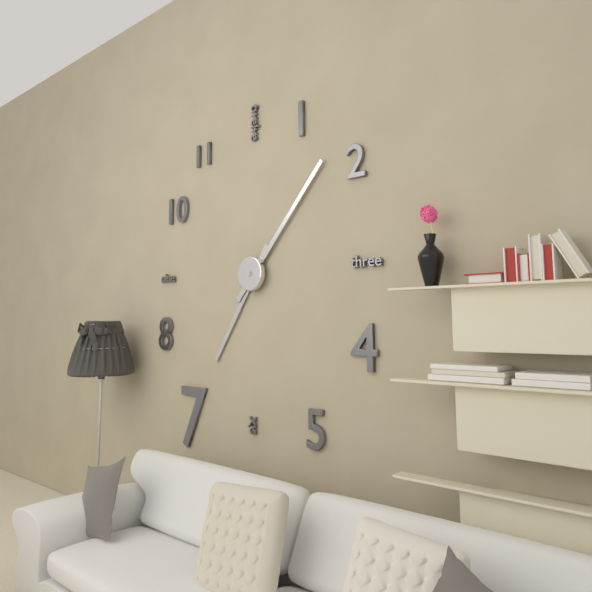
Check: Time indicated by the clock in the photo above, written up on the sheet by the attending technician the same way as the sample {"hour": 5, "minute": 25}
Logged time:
{"hour": 7, "minute": 7}
